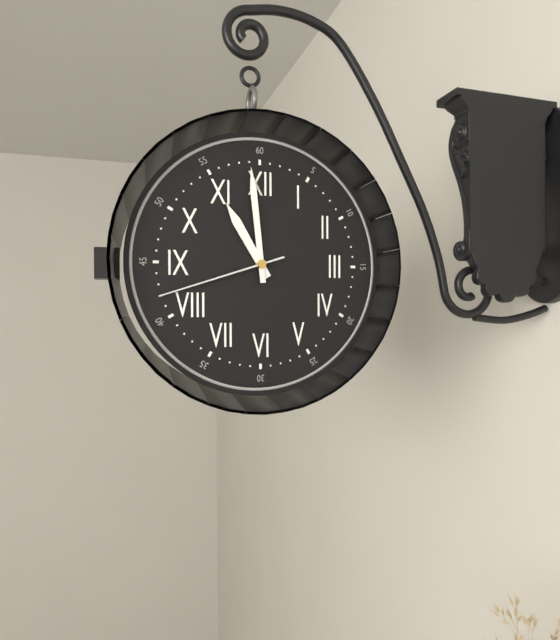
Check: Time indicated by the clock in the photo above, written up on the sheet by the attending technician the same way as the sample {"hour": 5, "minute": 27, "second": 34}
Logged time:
{"hour": 10, "minute": 59, "second": 42}
